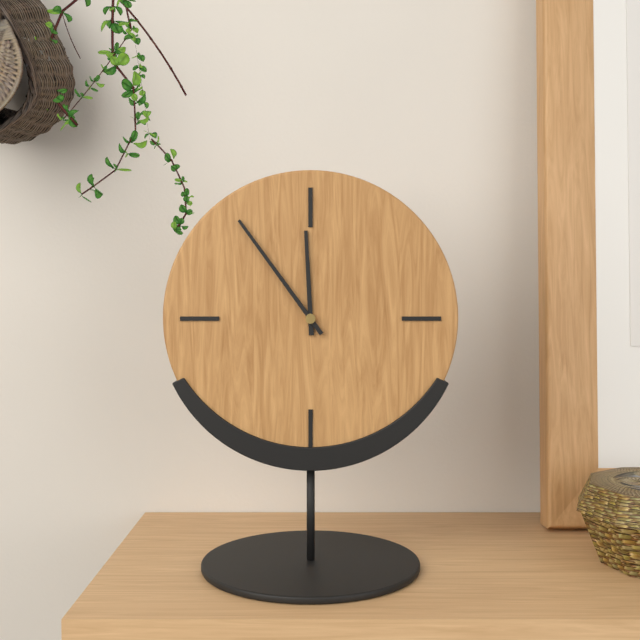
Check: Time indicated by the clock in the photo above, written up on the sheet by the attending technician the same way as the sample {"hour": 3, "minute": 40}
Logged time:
{"hour": 11, "minute": 54}
